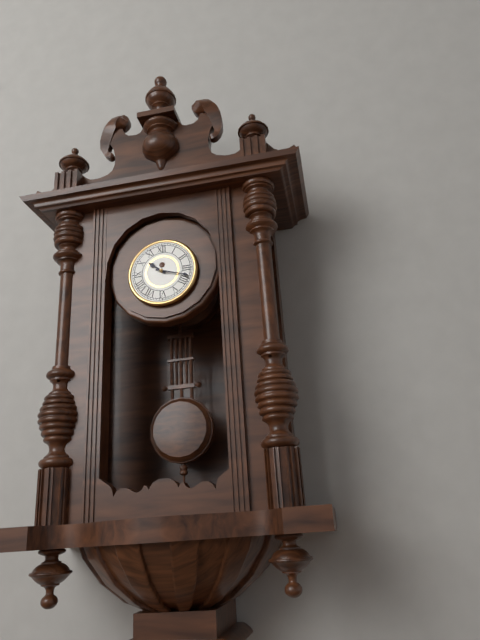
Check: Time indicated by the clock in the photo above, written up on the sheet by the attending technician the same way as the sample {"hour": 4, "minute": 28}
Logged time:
{"hour": 10, "minute": 18}
